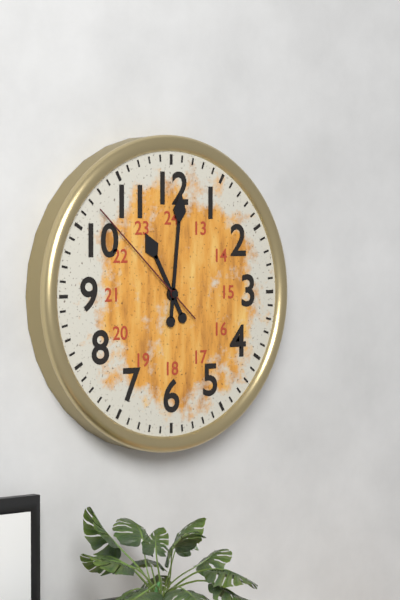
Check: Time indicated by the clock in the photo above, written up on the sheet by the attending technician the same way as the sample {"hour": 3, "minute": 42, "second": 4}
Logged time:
{"hour": 11, "minute": 1, "second": 52}
